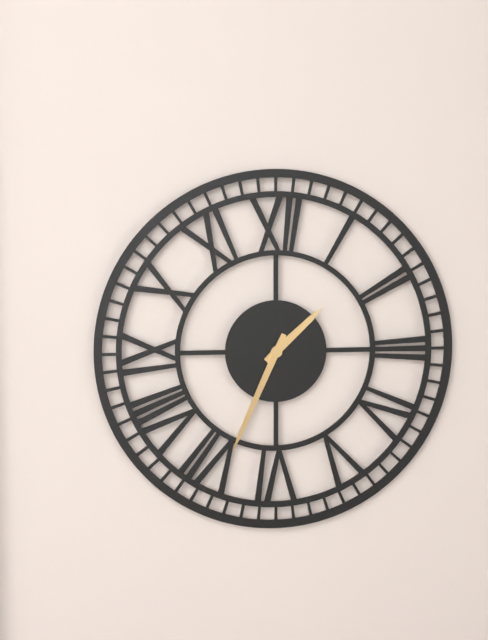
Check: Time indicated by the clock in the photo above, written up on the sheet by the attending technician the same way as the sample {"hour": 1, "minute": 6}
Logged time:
{"hour": 1, "minute": 34}
